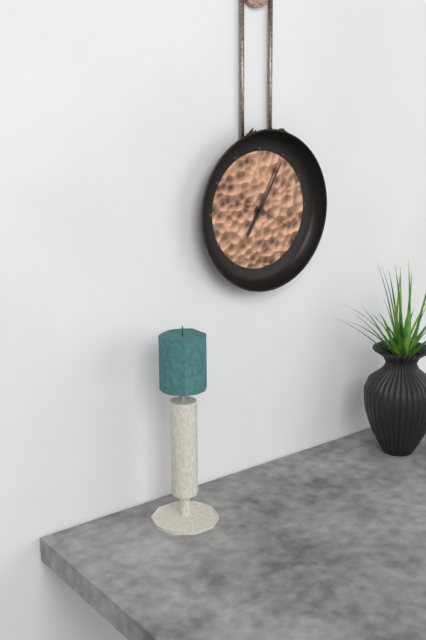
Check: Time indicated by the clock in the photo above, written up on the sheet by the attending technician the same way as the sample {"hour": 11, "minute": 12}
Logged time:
{"hour": 7, "minute": 5}
